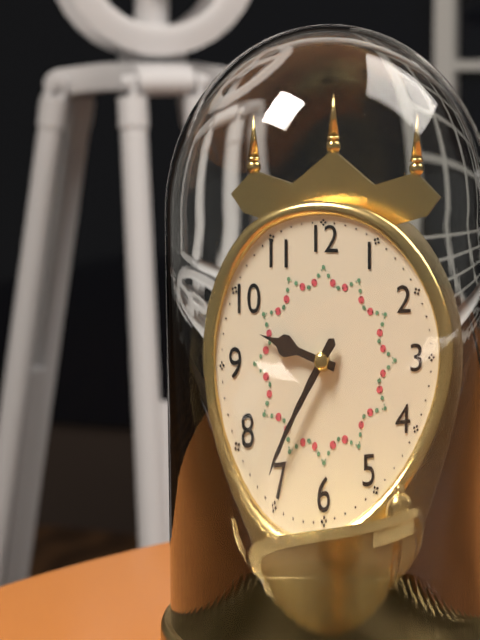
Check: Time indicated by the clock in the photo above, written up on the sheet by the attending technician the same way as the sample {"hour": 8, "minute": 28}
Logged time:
{"hour": 9, "minute": 36}
